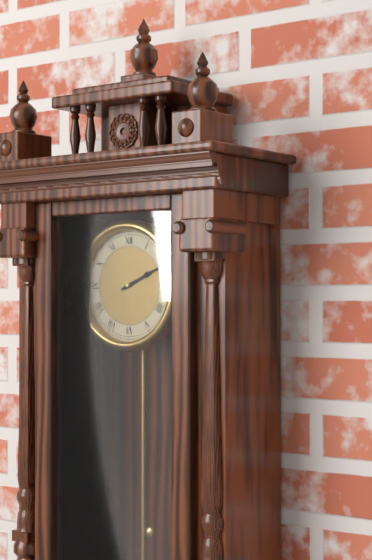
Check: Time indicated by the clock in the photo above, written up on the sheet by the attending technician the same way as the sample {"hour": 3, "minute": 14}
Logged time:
{"hour": 2, "minute": 11}
